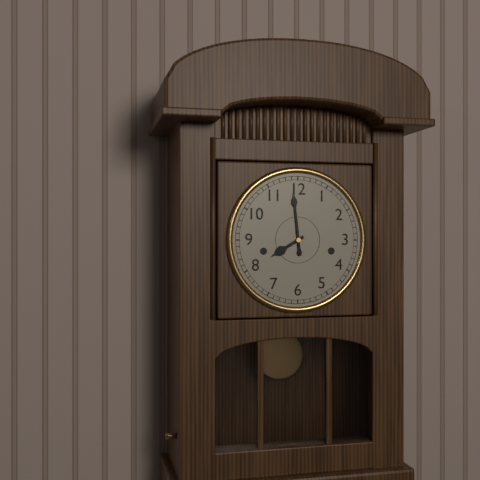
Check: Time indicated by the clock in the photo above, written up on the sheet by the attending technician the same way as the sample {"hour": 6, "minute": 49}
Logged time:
{"hour": 7, "minute": 59}
